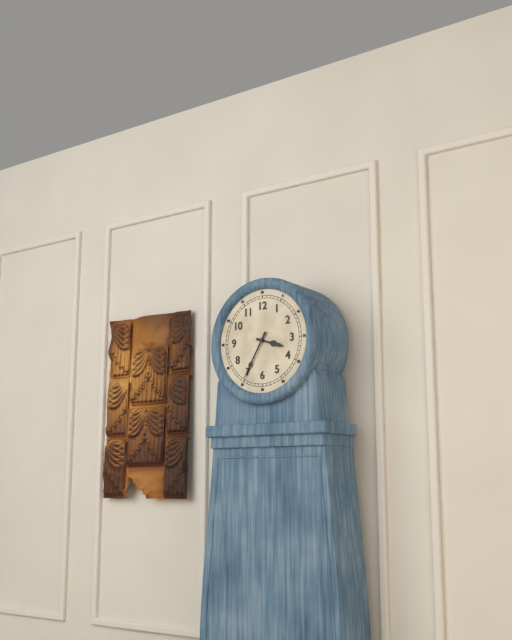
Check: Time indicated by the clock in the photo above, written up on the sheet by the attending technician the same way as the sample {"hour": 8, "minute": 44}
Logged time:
{"hour": 3, "minute": 35}
